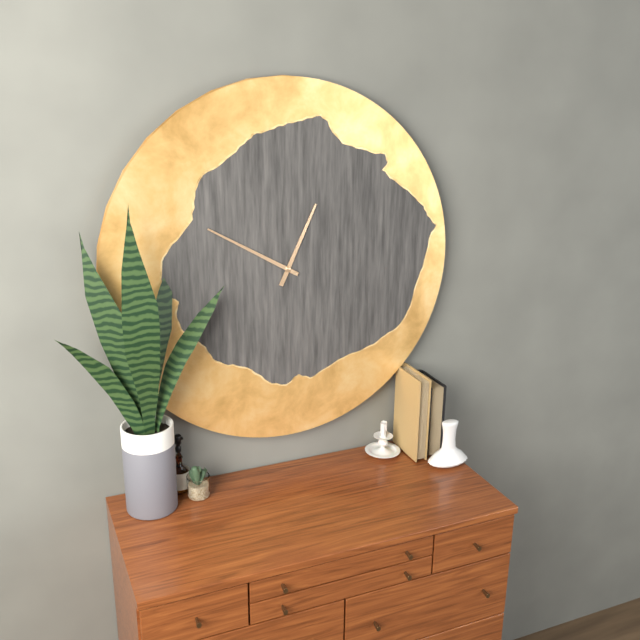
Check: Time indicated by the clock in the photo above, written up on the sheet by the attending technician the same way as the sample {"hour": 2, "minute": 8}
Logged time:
{"hour": 12, "minute": 50}
